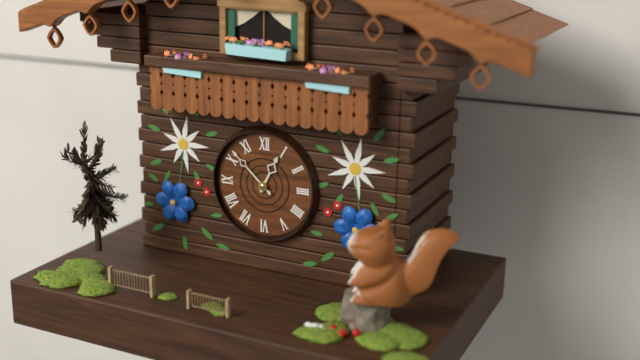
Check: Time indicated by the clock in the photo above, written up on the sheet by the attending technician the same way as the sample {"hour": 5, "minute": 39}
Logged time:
{"hour": 12, "minute": 52}
